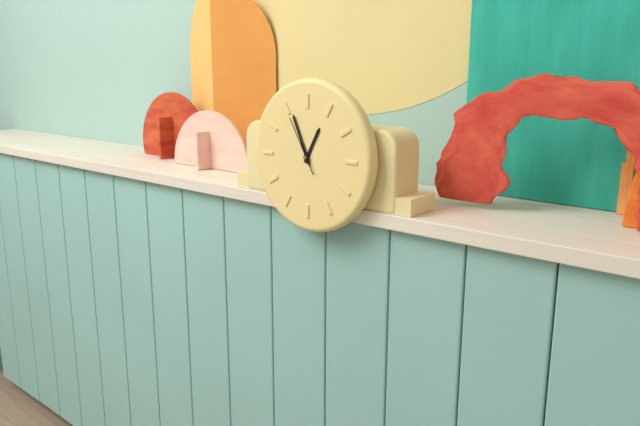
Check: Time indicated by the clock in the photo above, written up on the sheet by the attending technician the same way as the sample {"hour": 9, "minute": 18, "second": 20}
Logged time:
{"hour": 12, "minute": 56, "second": 55}
